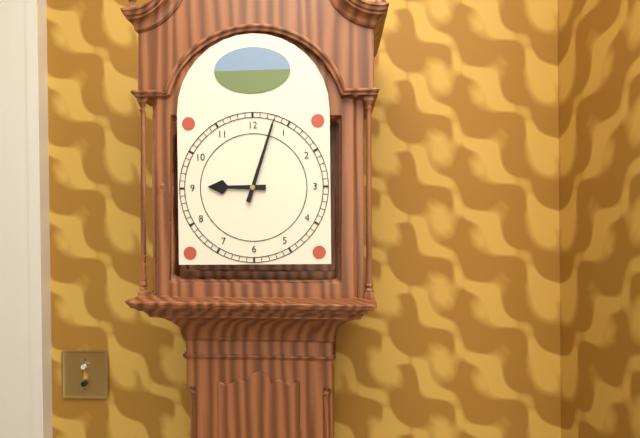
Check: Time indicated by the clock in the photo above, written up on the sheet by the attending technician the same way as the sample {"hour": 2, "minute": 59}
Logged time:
{"hour": 9, "minute": 3}
